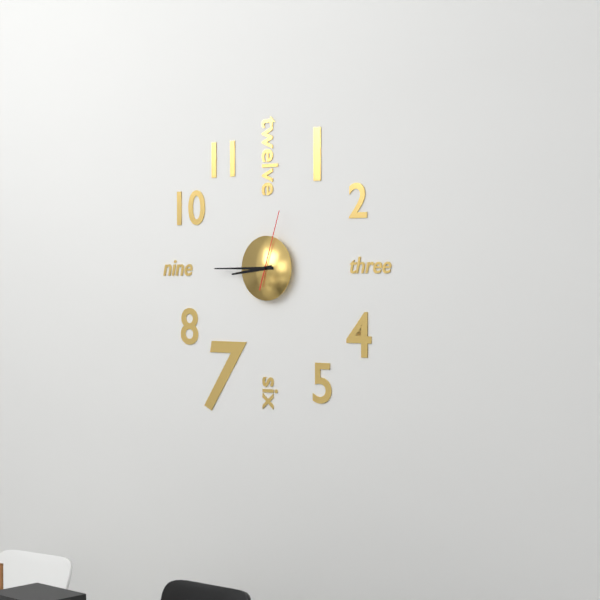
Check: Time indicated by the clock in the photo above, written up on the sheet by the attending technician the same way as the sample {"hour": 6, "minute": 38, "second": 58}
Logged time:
{"hour": 8, "minute": 45, "second": 3}
